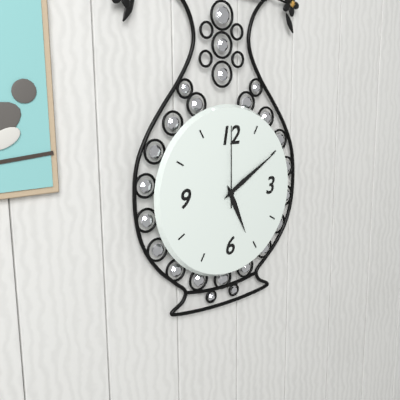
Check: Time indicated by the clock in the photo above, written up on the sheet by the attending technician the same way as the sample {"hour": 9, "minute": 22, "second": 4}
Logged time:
{"hour": 5, "minute": 10, "second": 0}
